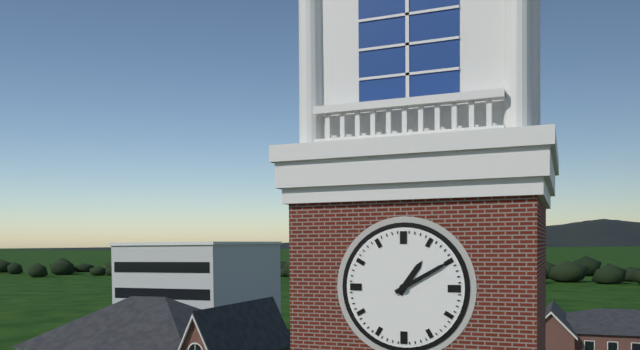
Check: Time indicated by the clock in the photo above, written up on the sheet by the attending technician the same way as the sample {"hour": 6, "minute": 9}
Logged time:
{"hour": 1, "minute": 10}
